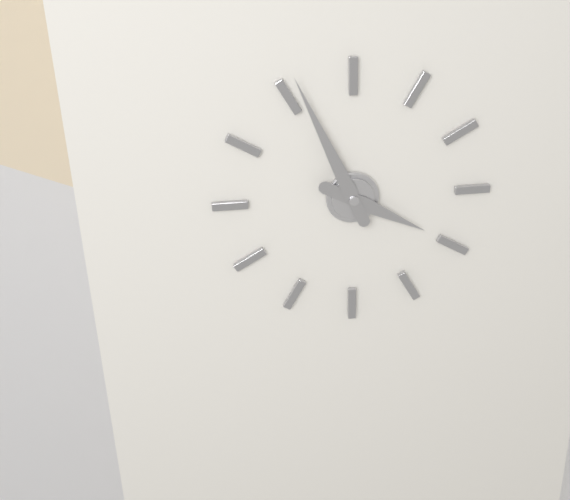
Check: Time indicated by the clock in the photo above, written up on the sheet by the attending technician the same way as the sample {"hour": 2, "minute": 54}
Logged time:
{"hour": 3, "minute": 56}
